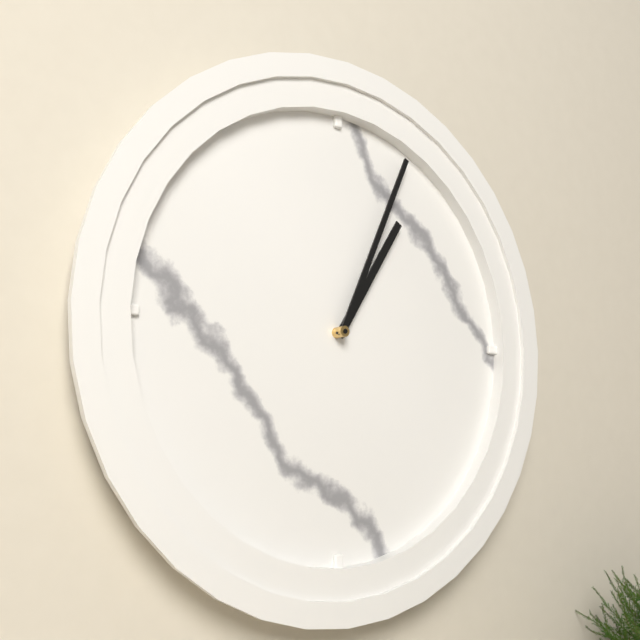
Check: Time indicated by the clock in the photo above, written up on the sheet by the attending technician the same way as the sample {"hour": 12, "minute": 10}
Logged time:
{"hour": 1, "minute": 4}
